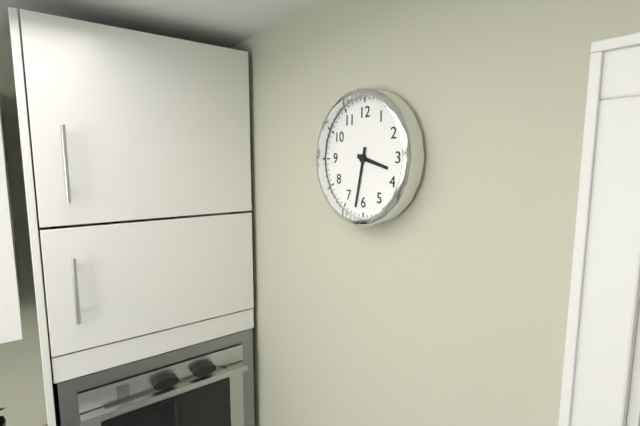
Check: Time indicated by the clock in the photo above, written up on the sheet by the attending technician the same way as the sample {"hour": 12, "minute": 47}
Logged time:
{"hour": 3, "minute": 32}
